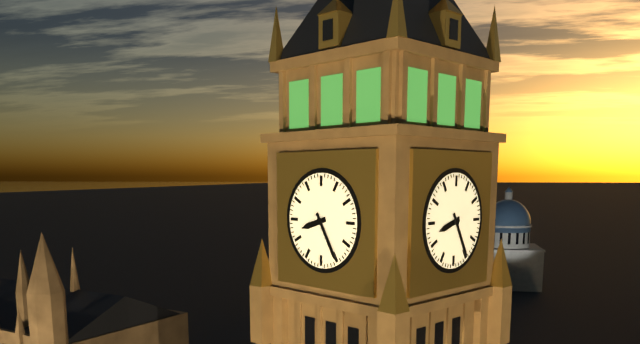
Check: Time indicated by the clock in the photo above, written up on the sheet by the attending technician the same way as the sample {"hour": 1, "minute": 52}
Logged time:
{"hour": 8, "minute": 25}
